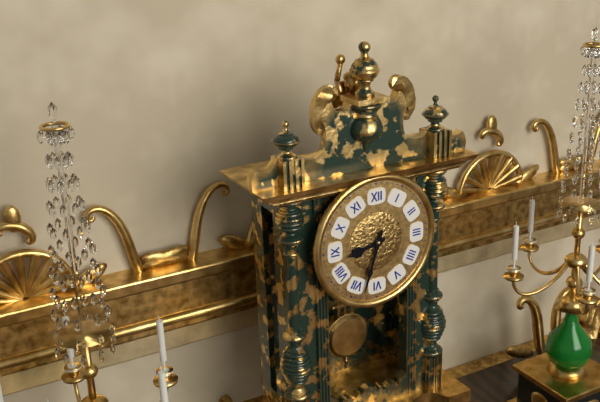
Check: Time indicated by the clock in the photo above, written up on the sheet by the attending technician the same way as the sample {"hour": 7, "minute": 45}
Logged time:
{"hour": 8, "minute": 33}
